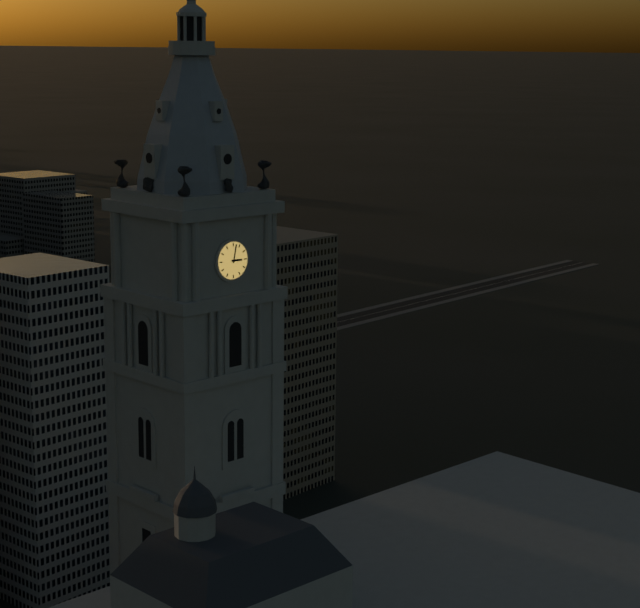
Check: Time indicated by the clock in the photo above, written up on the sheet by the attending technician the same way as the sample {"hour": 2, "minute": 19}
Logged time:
{"hour": 3, "minute": 2}
